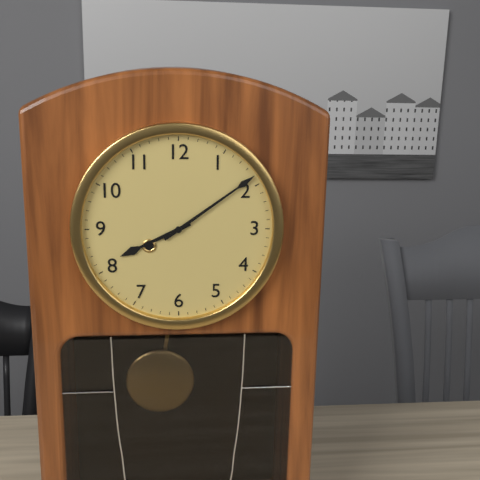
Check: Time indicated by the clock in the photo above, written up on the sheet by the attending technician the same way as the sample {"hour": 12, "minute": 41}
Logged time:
{"hour": 8, "minute": 9}
